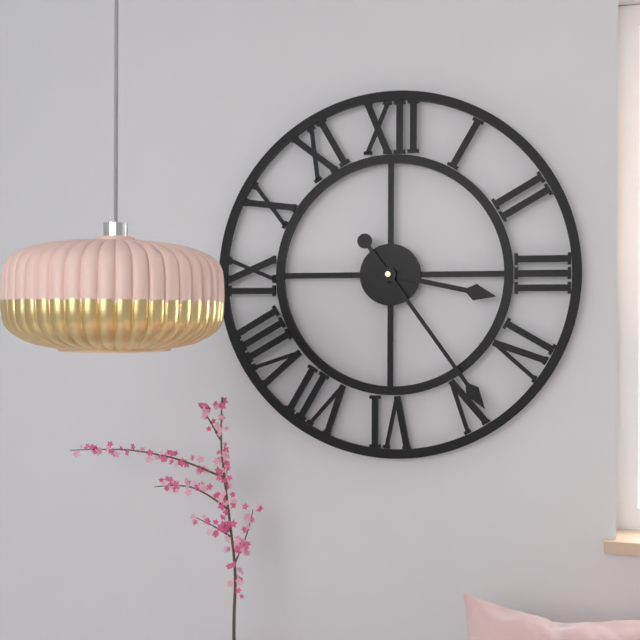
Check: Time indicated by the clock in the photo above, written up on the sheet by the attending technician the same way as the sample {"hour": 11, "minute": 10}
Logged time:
{"hour": 3, "minute": 24}
